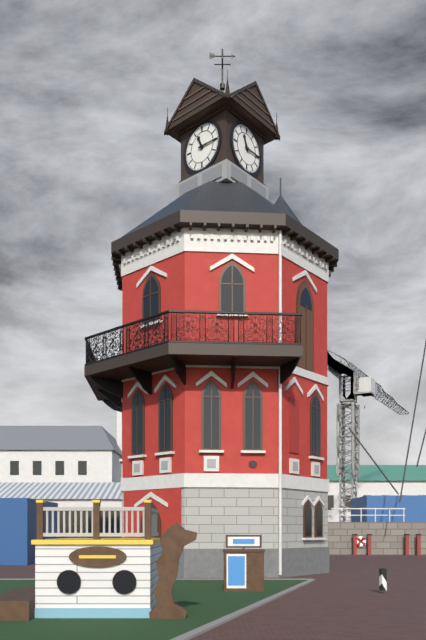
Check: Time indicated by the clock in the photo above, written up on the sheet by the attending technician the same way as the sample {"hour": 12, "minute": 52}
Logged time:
{"hour": 11, "minute": 15}
